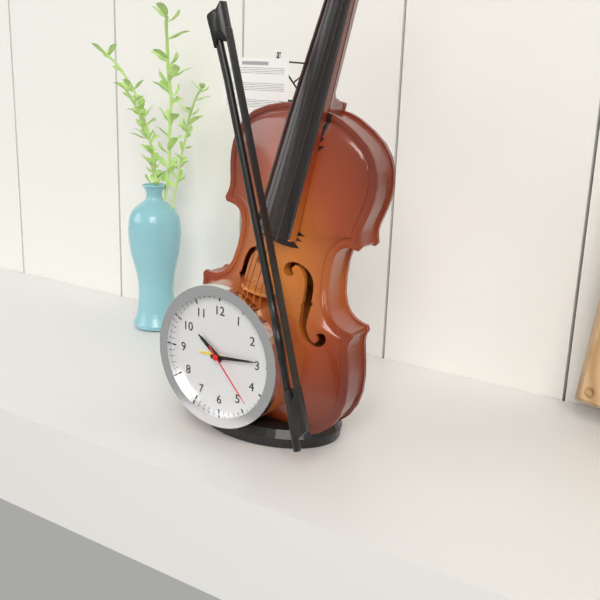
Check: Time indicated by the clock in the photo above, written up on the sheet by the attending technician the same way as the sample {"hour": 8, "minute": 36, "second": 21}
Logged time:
{"hour": 10, "minute": 14, "second": 23}
